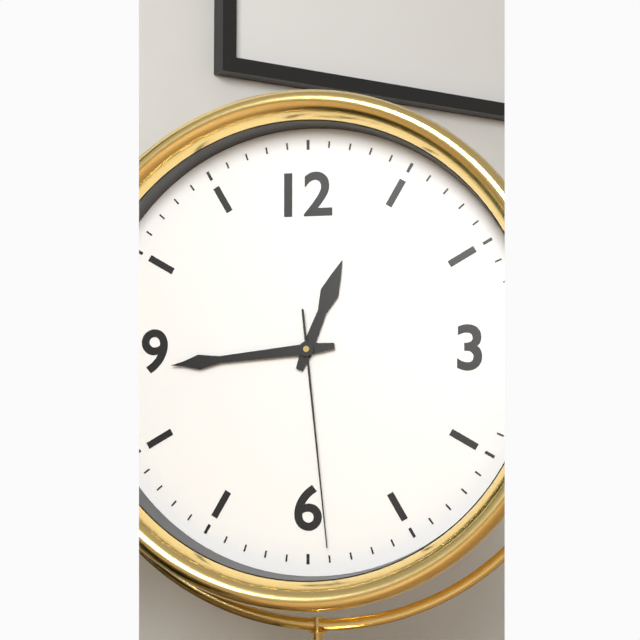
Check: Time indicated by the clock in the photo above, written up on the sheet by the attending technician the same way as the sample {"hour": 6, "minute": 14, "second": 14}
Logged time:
{"hour": 12, "minute": 44, "second": 29}
